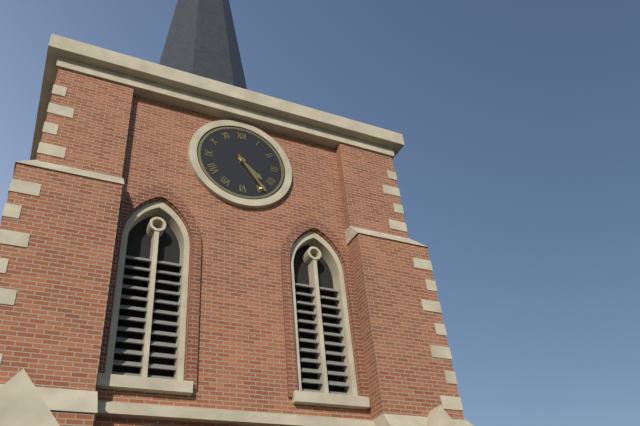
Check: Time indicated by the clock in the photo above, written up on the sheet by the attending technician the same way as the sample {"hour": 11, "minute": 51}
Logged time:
{"hour": 4, "minute": 24}
